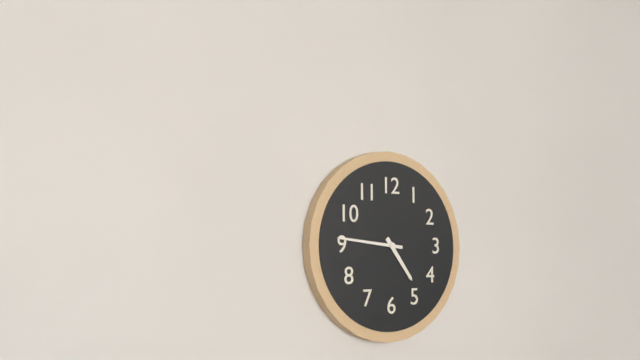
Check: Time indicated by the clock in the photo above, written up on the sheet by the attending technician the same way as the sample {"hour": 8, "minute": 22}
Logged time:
{"hour": 4, "minute": 46}
